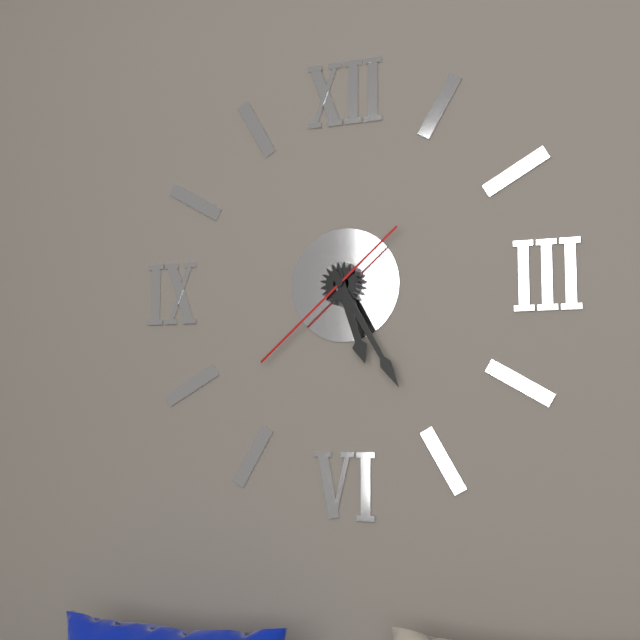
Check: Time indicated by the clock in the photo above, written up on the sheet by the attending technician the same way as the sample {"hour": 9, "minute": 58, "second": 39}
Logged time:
{"hour": 5, "minute": 25, "second": 38}
